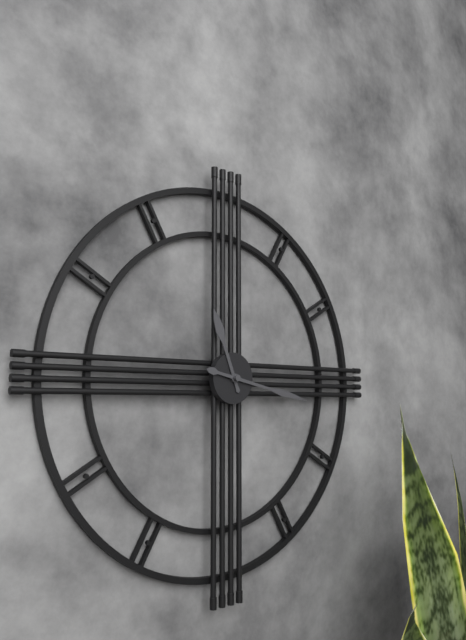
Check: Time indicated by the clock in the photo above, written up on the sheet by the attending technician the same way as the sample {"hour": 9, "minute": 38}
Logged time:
{"hour": 11, "minute": 17}
